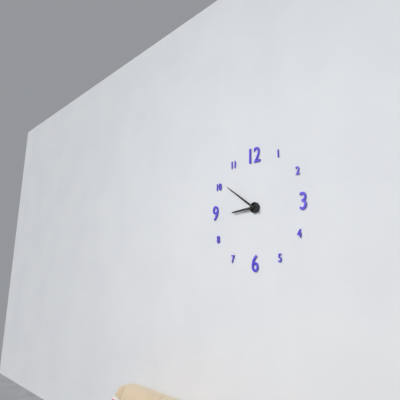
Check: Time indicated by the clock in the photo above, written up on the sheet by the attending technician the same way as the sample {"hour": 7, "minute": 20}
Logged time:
{"hour": 8, "minute": 51}
